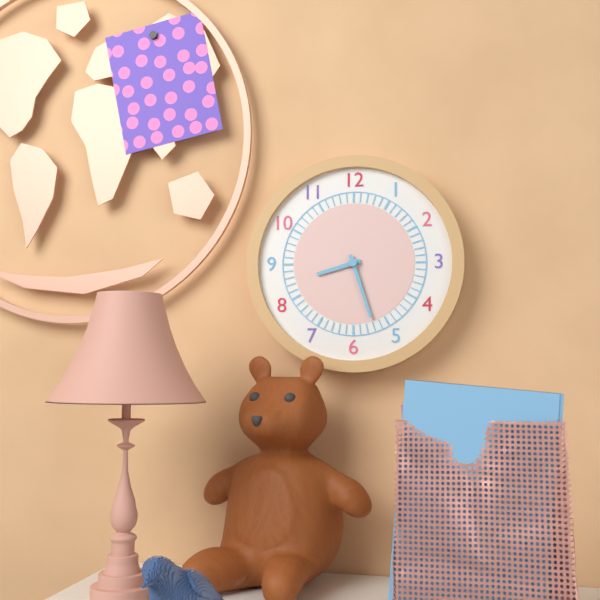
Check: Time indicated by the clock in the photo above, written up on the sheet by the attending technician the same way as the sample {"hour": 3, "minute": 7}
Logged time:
{"hour": 8, "minute": 27}
